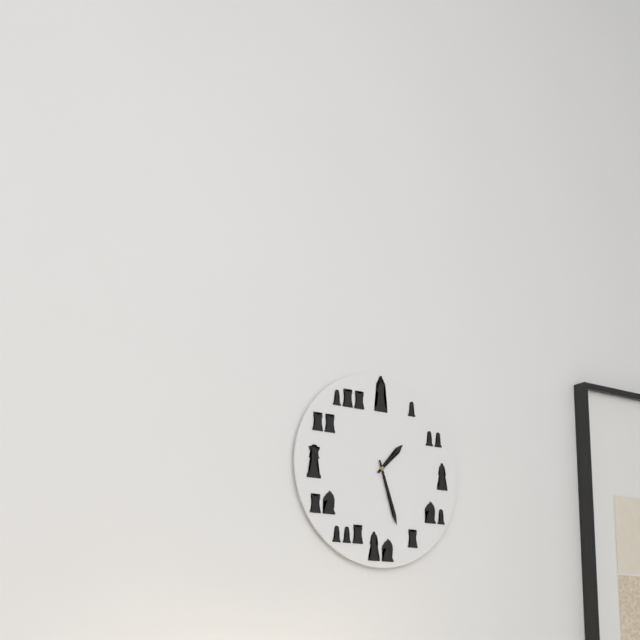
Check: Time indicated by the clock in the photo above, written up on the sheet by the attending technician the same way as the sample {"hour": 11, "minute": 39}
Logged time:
{"hour": 1, "minute": 27}
